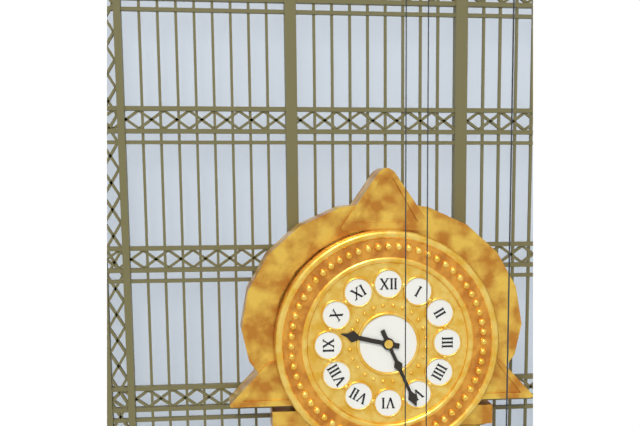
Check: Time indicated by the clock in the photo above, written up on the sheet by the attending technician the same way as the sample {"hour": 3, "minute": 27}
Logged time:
{"hour": 9, "minute": 26}
